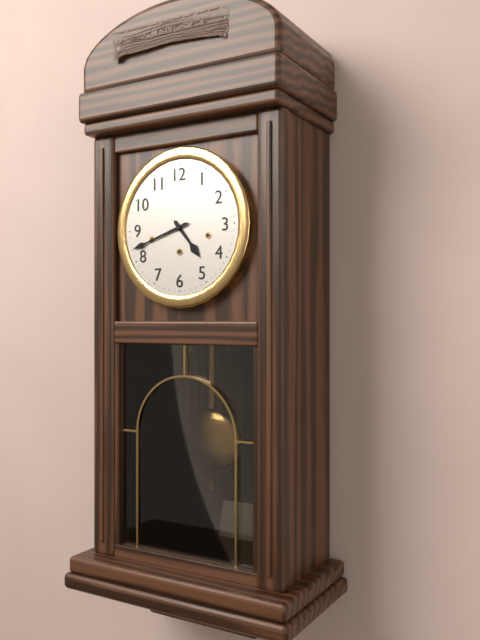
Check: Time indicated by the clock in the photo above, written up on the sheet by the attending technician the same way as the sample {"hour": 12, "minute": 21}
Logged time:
{"hour": 4, "minute": 42}
